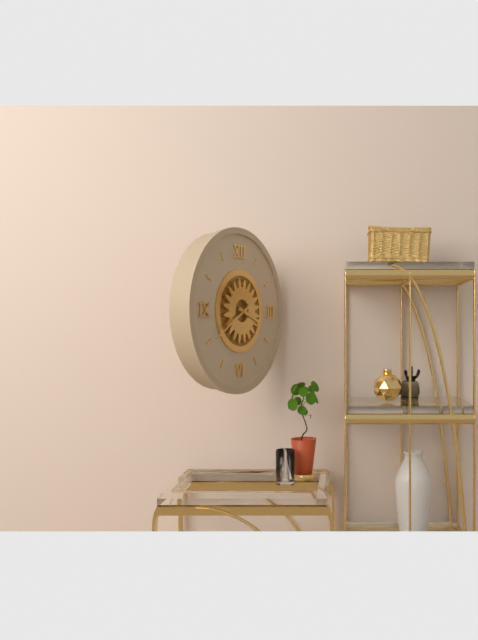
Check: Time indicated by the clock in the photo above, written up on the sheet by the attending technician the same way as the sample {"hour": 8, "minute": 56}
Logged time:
{"hour": 3, "minute": 40}
